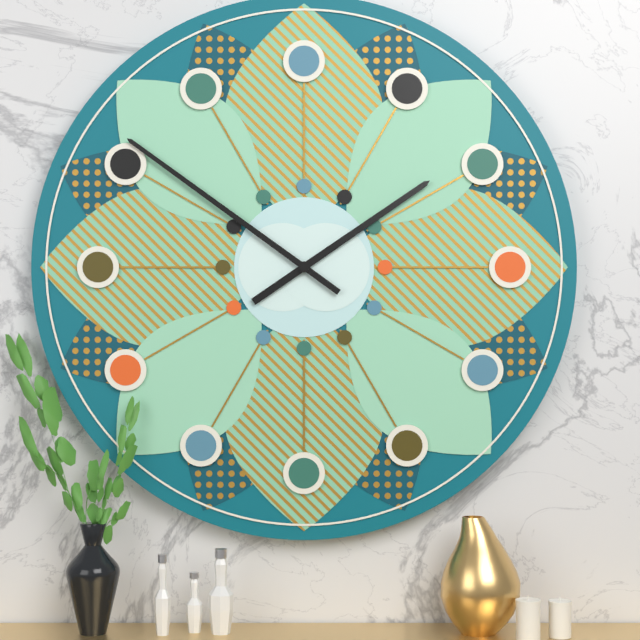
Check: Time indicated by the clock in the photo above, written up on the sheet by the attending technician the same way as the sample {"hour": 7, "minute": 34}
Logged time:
{"hour": 1, "minute": 51}
